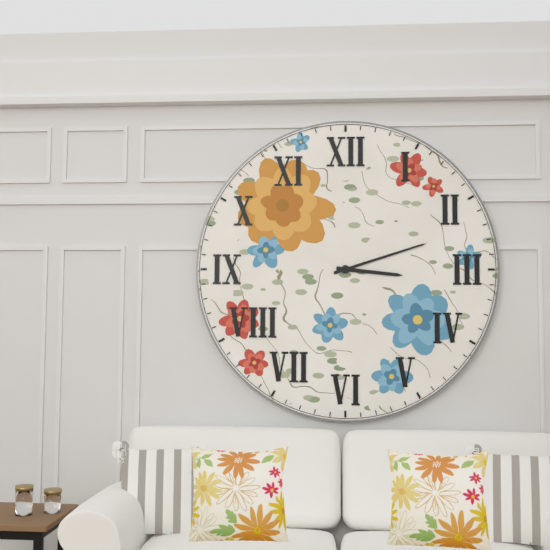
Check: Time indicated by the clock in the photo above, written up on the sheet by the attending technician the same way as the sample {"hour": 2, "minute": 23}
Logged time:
{"hour": 3, "minute": 12}
